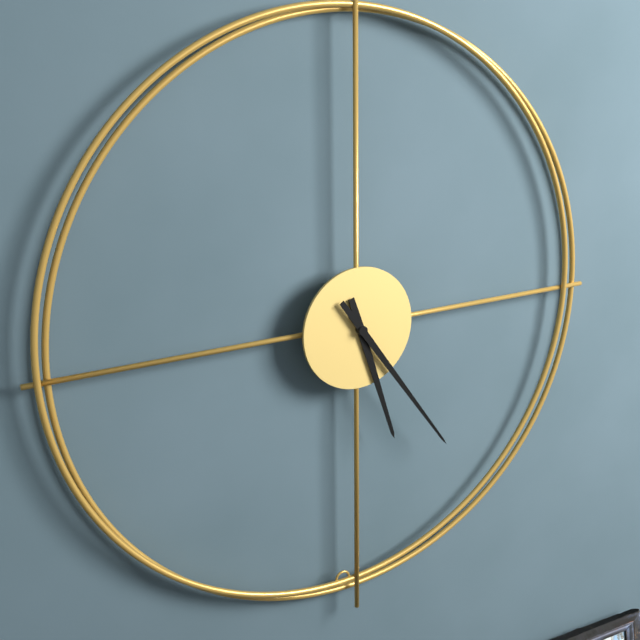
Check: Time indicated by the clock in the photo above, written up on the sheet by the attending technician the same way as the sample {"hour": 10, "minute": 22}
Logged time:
{"hour": 5, "minute": 24}
